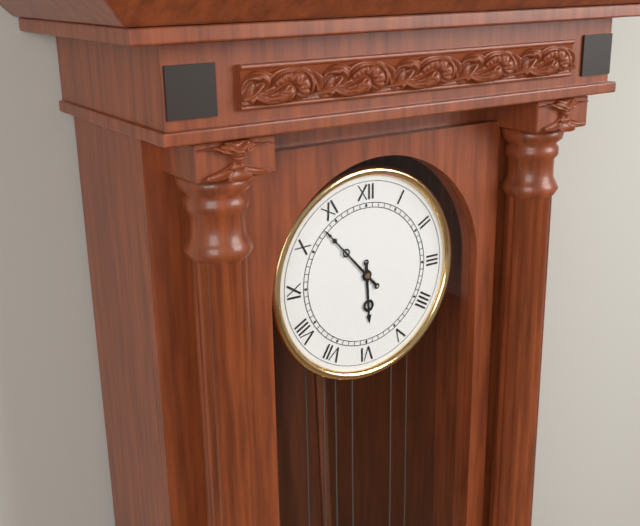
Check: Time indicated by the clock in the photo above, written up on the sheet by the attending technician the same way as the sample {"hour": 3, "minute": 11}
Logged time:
{"hour": 5, "minute": 53}
